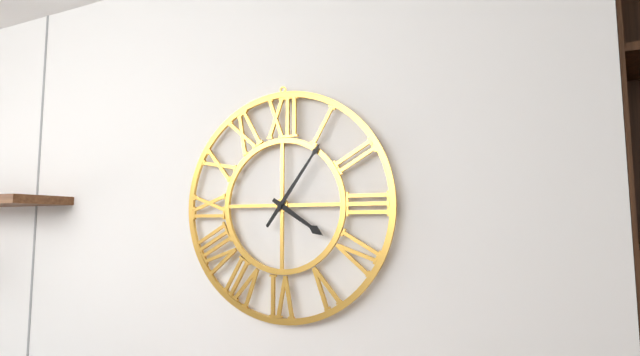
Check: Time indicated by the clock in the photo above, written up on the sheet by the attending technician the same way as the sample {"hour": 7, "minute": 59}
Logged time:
{"hour": 4, "minute": 6}
